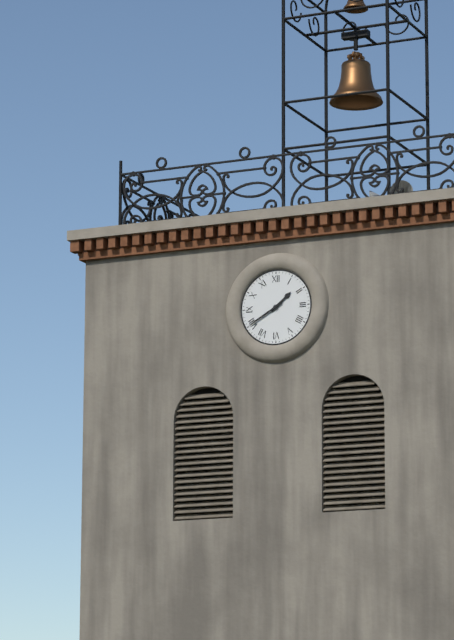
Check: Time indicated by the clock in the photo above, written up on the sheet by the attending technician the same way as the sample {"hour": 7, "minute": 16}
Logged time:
{"hour": 1, "minute": 40}
